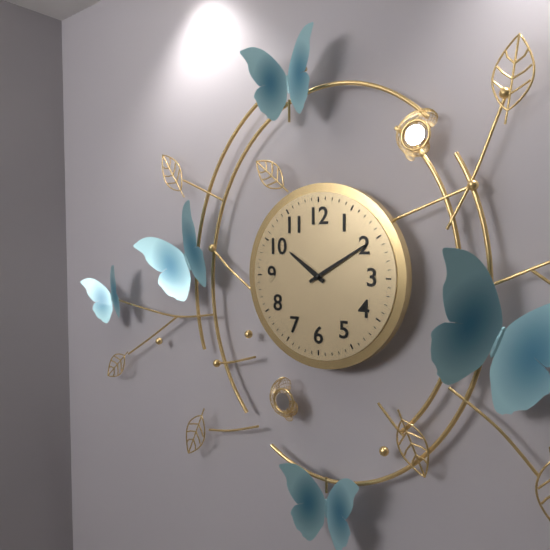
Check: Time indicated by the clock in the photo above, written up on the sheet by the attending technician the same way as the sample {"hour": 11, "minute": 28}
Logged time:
{"hour": 10, "minute": 10}
